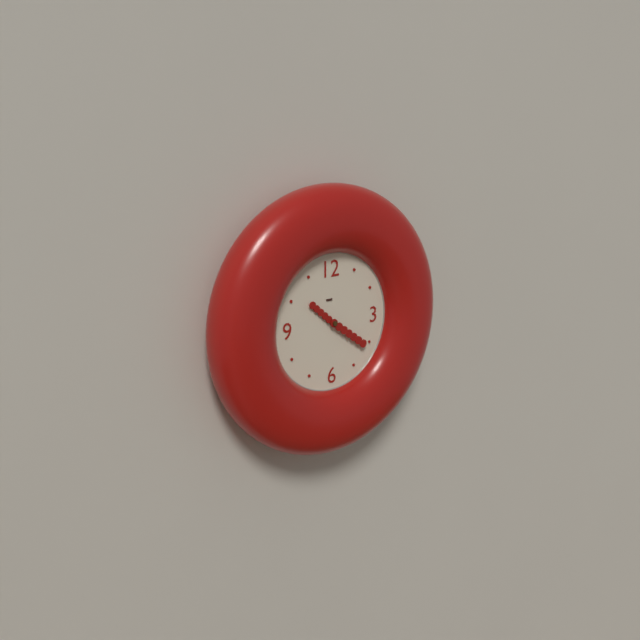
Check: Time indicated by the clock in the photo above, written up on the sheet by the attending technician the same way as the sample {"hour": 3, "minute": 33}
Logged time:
{"hour": 10, "minute": 21}
